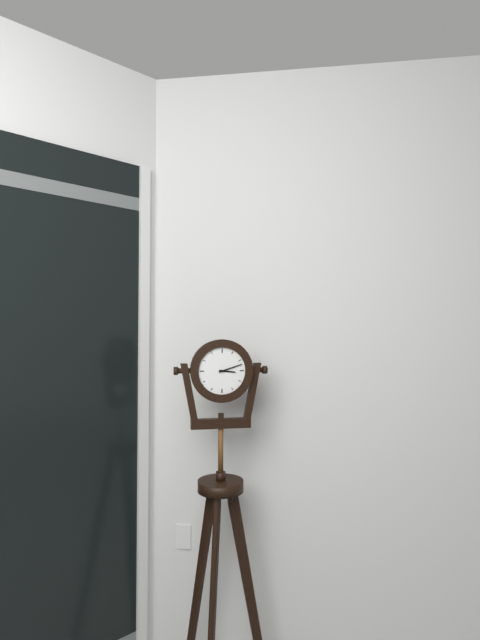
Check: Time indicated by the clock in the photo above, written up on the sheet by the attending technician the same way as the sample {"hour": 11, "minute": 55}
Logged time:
{"hour": 3, "minute": 12}
